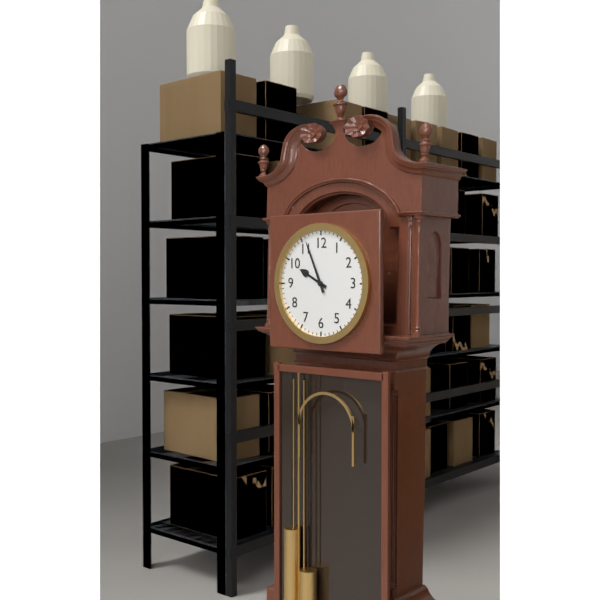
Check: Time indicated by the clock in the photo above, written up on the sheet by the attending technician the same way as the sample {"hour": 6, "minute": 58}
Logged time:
{"hour": 9, "minute": 56}
